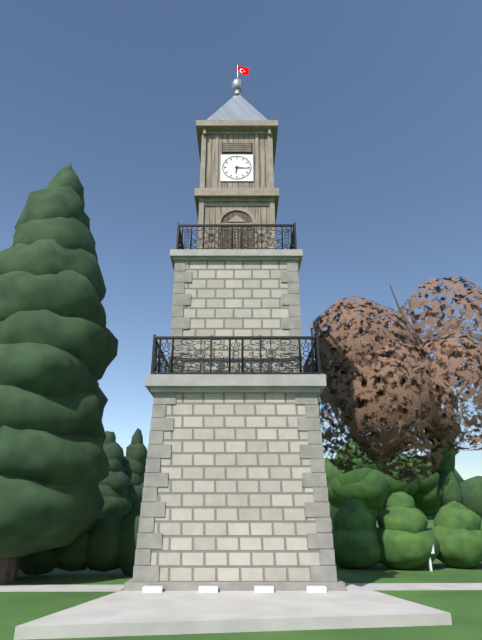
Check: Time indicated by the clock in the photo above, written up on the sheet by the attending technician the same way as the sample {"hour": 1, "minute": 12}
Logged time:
{"hour": 6, "minute": 16}
